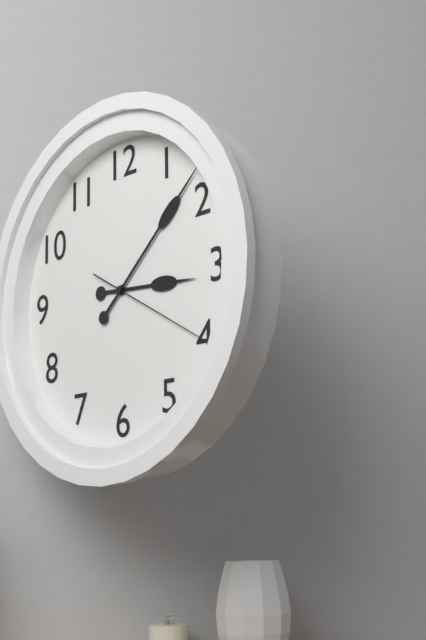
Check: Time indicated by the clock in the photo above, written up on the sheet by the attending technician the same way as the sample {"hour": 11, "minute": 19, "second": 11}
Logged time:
{"hour": 3, "minute": 8, "second": 20}
